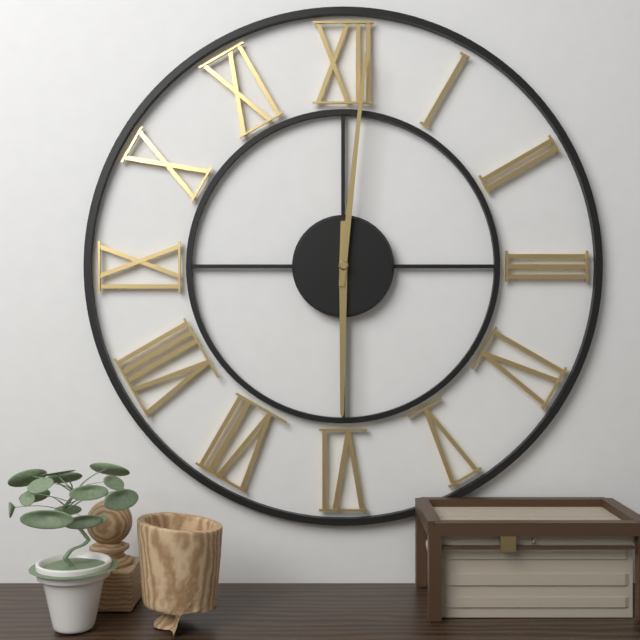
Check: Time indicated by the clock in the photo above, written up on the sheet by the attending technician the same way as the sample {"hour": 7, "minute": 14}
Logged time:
{"hour": 6, "minute": 1}
